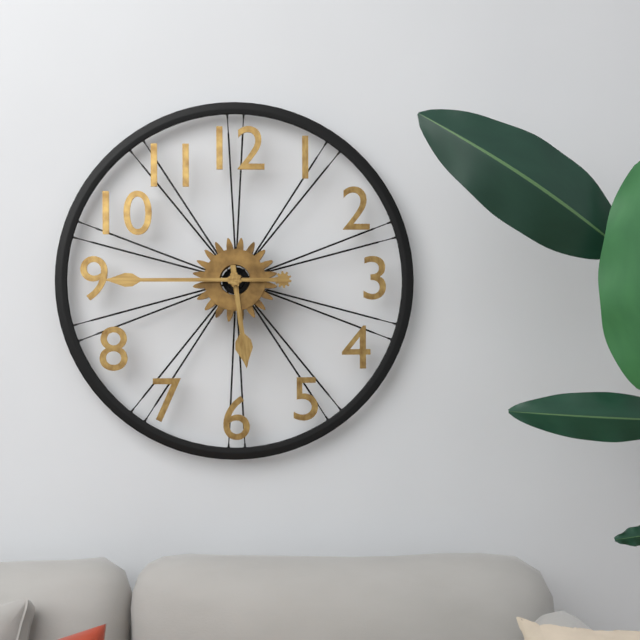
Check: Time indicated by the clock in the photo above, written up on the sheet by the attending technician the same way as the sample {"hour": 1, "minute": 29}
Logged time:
{"hour": 5, "minute": 45}
